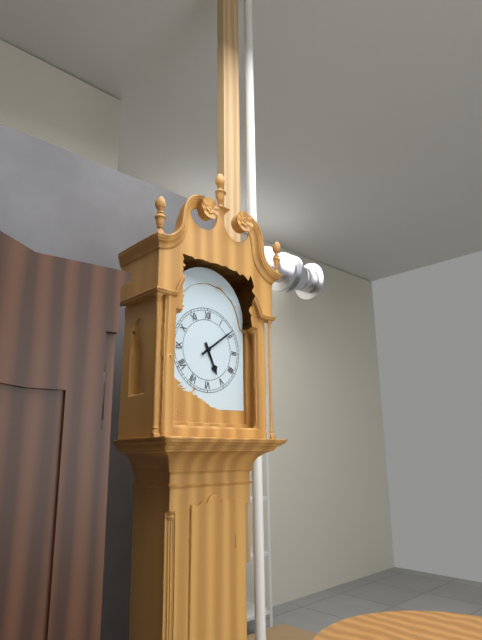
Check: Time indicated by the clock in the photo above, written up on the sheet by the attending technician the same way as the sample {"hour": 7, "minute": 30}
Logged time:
{"hour": 5, "minute": 9}
